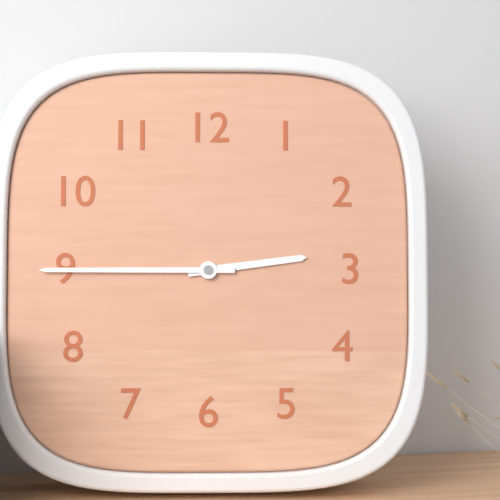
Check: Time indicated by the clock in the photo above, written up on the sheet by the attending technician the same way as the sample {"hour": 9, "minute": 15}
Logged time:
{"hour": 2, "minute": 45}
